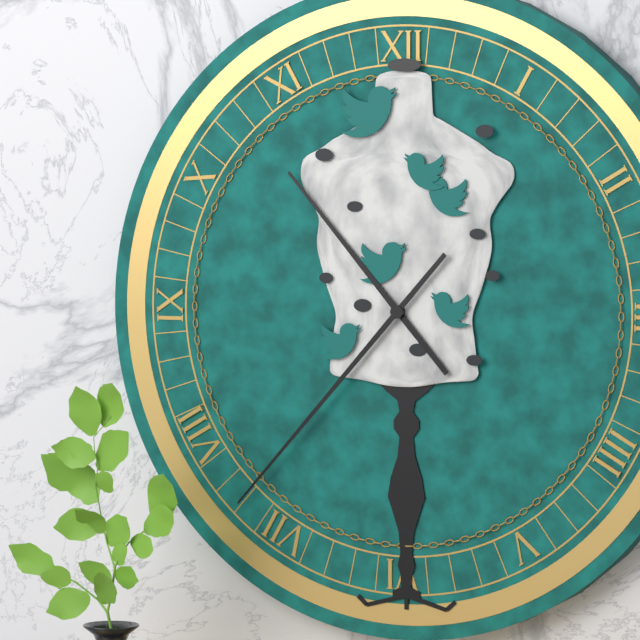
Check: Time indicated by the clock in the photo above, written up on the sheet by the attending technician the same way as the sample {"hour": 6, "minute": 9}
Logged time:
{"hour": 10, "minute": 37}
